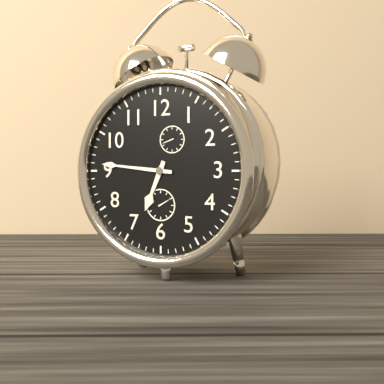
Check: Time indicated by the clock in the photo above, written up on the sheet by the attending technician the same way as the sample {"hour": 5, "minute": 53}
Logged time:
{"hour": 6, "minute": 46}
